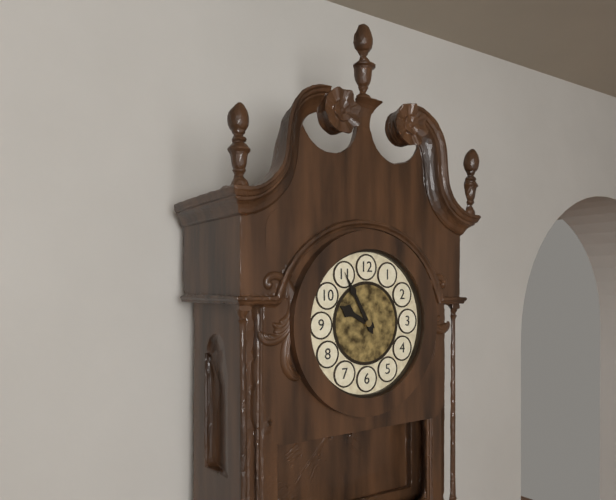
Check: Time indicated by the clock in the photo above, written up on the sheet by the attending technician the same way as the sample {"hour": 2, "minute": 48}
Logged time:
{"hour": 9, "minute": 55}
